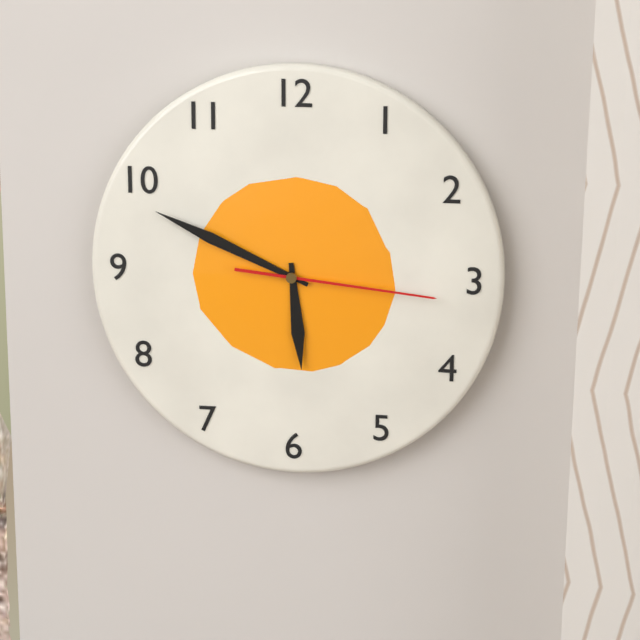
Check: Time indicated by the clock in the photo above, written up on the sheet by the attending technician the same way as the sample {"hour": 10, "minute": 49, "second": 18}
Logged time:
{"hour": 5, "minute": 49, "second": 16}
